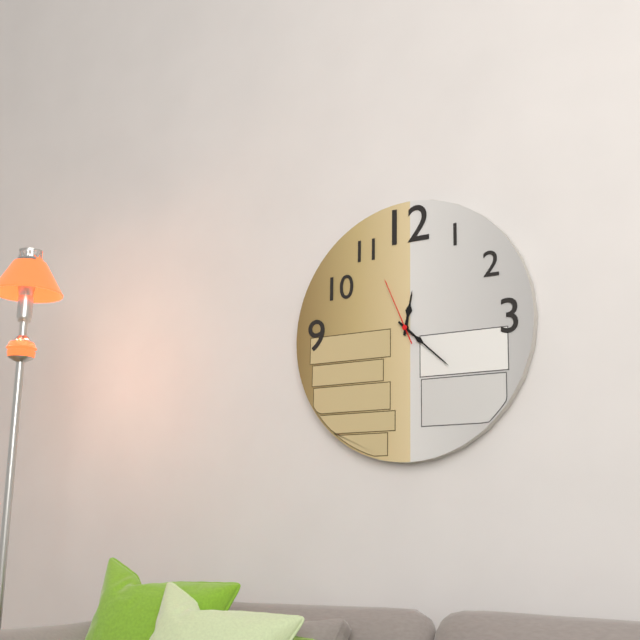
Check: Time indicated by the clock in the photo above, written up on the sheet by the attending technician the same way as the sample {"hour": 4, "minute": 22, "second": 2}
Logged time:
{"hour": 12, "minute": 22, "second": 56}
